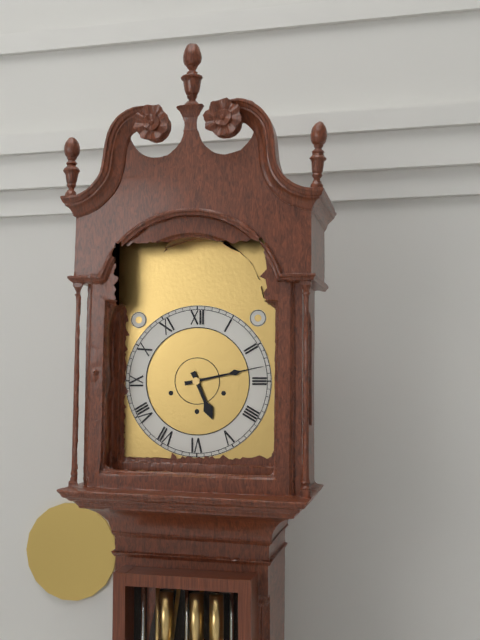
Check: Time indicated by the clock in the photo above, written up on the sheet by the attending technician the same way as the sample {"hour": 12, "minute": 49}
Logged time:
{"hour": 5, "minute": 13}
